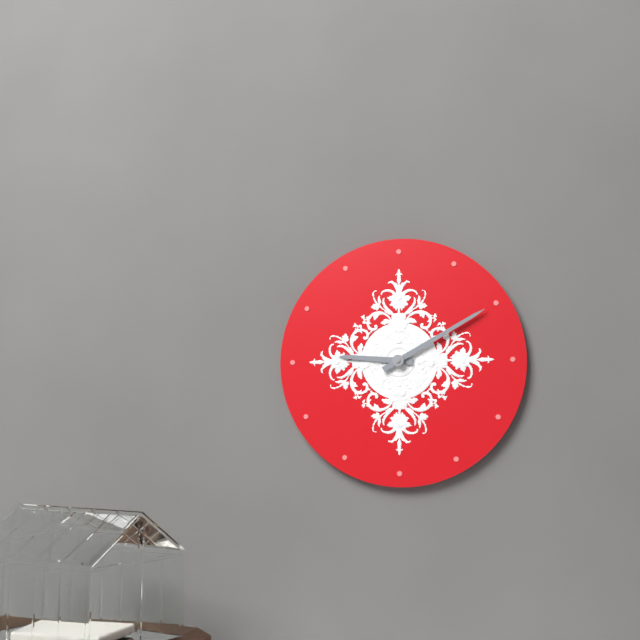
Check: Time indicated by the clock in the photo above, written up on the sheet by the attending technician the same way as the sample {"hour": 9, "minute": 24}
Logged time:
{"hour": 9, "minute": 10}
